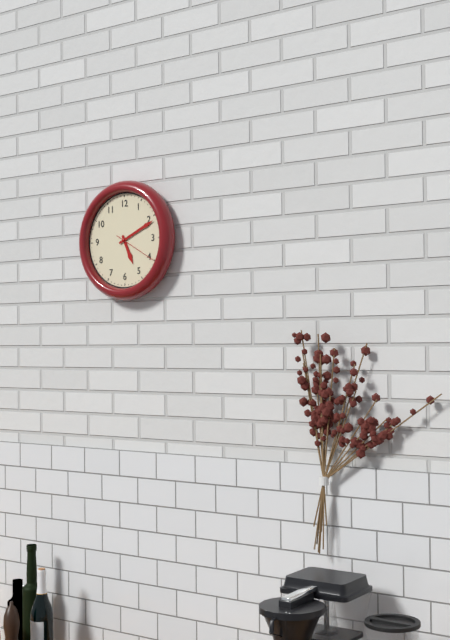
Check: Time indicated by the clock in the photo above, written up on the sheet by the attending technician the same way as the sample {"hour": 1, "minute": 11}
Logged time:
{"hour": 5, "minute": 11}
